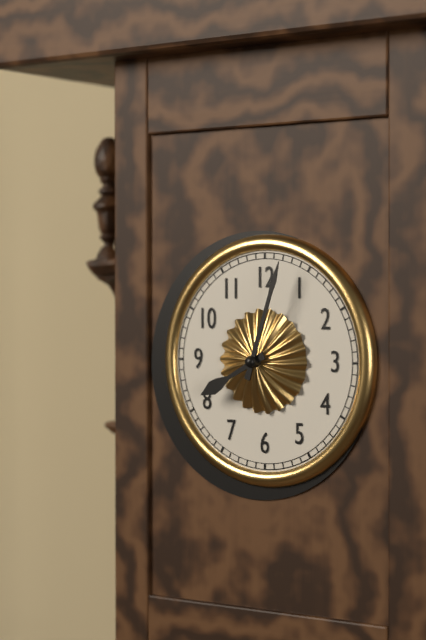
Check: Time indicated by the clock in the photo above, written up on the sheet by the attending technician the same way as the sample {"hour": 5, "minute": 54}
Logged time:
{"hour": 8, "minute": 3}
